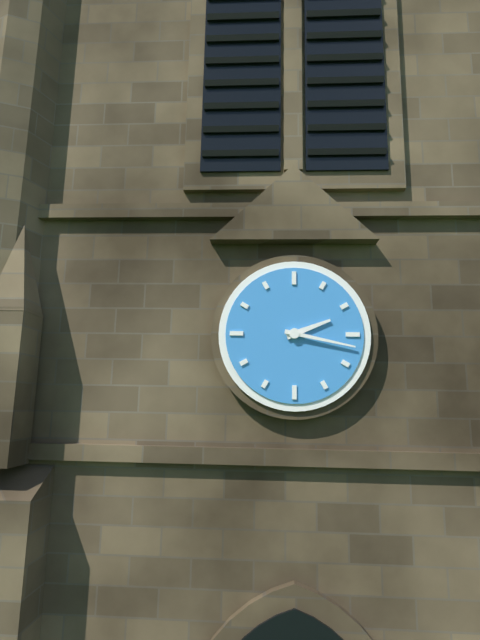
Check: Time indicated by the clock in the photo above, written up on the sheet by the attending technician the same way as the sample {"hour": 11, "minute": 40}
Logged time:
{"hour": 2, "minute": 17}
